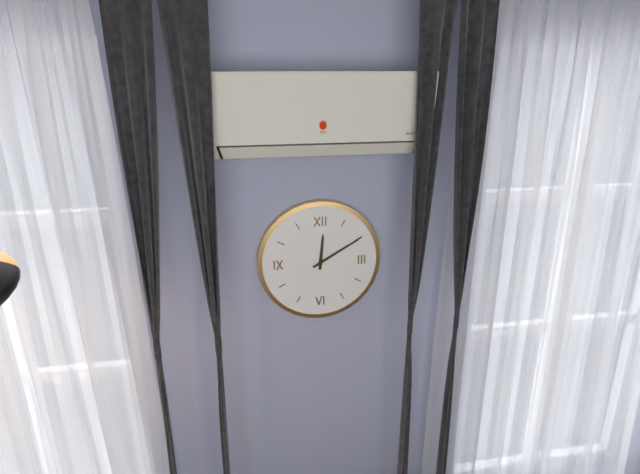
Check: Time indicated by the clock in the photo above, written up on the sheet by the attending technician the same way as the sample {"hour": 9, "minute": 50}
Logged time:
{"hour": 12, "minute": 10}
